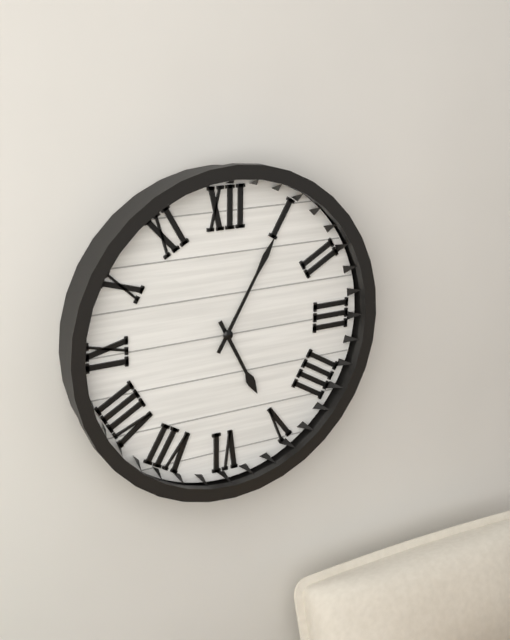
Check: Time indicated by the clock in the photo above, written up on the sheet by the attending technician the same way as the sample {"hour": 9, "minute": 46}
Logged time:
{"hour": 5, "minute": 5}
